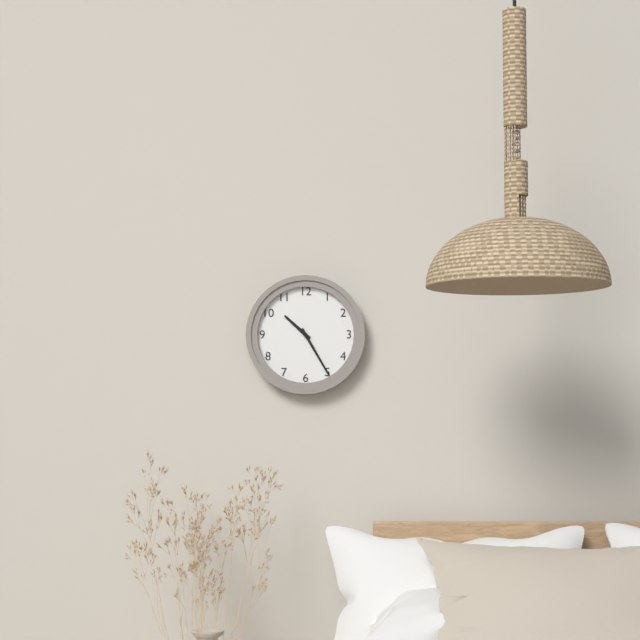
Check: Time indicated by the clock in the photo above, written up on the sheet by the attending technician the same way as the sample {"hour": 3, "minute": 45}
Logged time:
{"hour": 10, "minute": 25}
